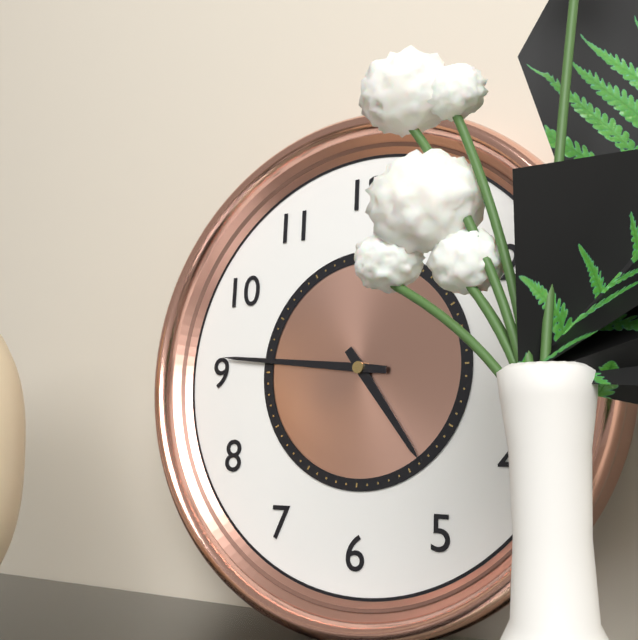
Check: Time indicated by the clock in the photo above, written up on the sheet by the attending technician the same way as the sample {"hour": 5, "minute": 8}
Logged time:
{"hour": 4, "minute": 46}
